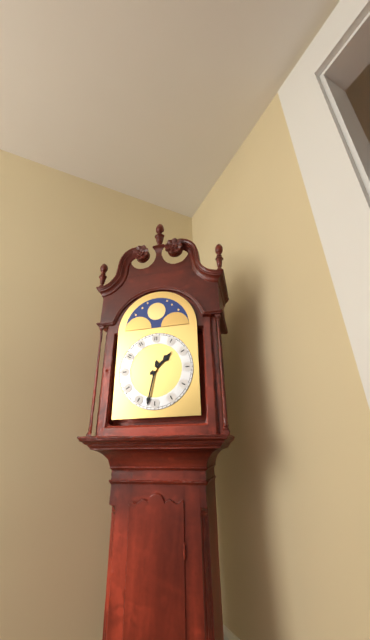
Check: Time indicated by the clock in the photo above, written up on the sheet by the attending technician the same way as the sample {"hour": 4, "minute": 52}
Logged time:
{"hour": 1, "minute": 32}
